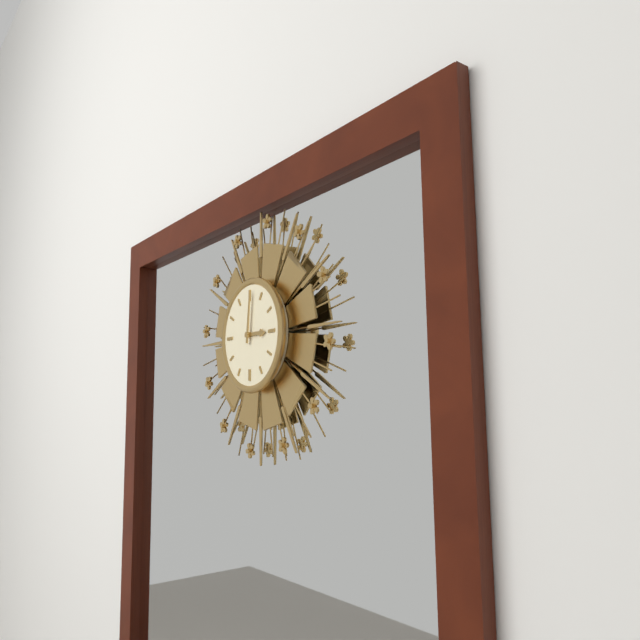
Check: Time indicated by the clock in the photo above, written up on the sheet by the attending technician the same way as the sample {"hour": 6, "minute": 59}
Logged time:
{"hour": 3, "minute": 1}
